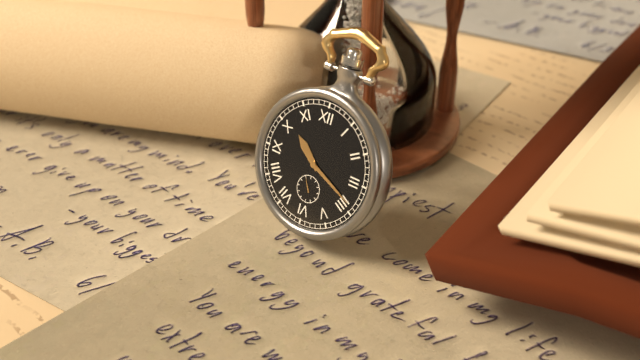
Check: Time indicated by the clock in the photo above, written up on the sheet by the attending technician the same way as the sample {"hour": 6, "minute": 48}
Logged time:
{"hour": 10, "minute": 19}
